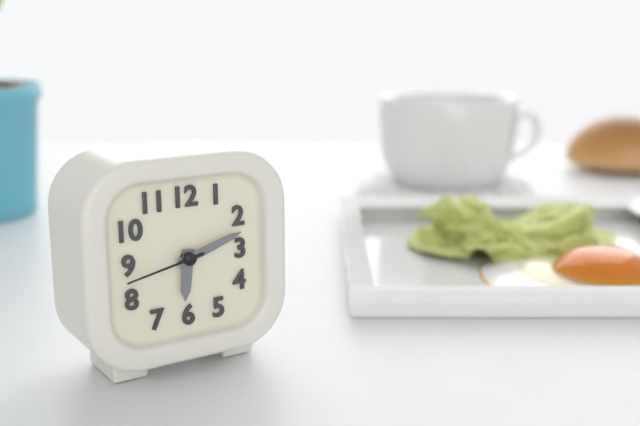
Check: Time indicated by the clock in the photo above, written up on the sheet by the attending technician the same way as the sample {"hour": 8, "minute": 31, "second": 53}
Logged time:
{"hour": 6, "minute": 12, "second": 43}
